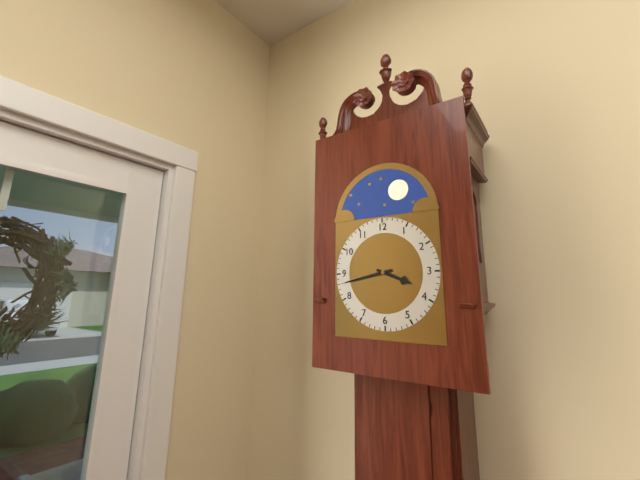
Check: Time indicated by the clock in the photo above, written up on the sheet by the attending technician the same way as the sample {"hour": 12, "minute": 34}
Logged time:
{"hour": 3, "minute": 43}
